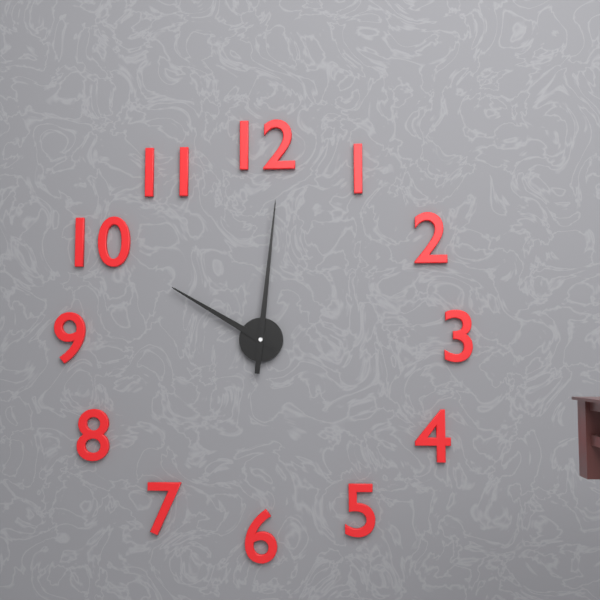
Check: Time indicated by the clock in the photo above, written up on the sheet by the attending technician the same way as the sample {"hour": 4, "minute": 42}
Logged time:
{"hour": 10, "minute": 1}
